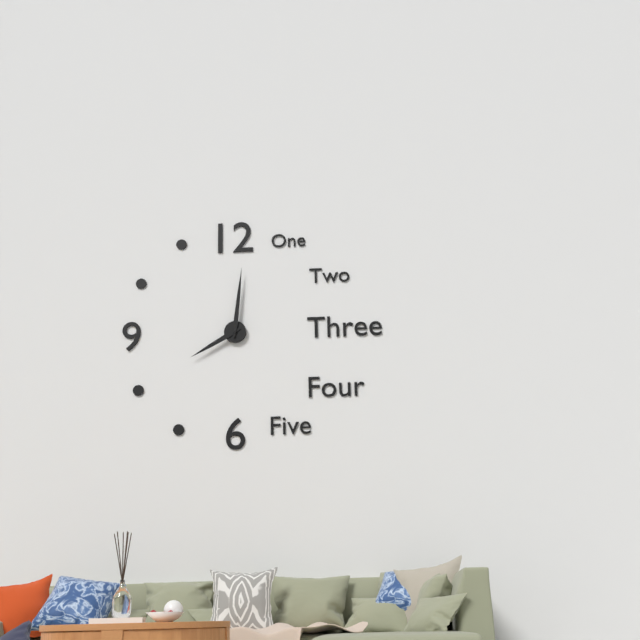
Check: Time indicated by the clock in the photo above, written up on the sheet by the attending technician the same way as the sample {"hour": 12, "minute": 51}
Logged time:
{"hour": 8, "minute": 1}
